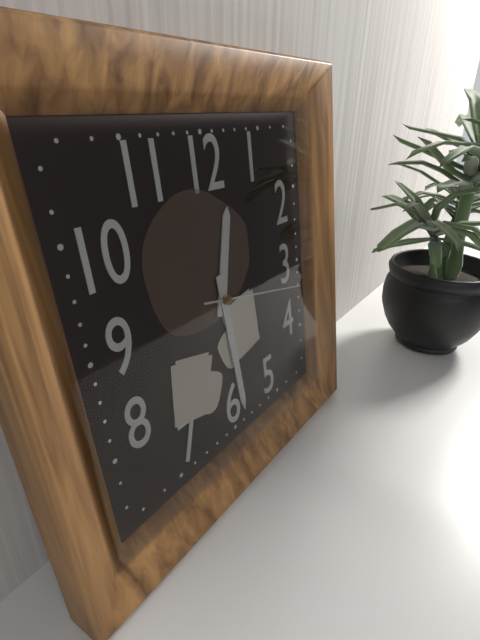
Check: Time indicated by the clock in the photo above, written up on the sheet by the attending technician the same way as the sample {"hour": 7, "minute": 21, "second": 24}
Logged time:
{"hour": 12, "minute": 29, "second": 17}
